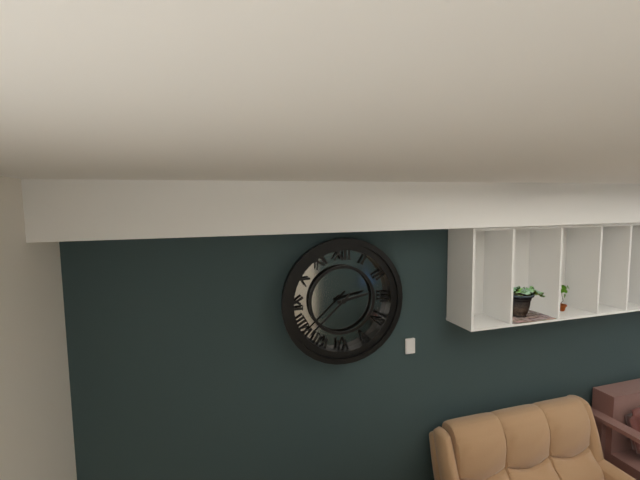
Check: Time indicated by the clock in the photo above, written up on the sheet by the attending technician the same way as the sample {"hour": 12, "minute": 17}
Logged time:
{"hour": 2, "minute": 38}
